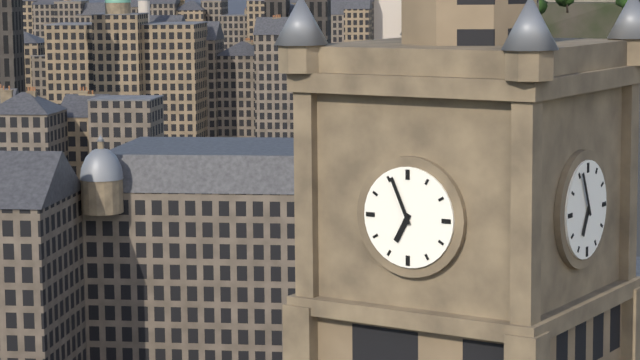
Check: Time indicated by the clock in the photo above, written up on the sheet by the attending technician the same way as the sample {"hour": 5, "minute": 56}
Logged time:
{"hour": 6, "minute": 56}
